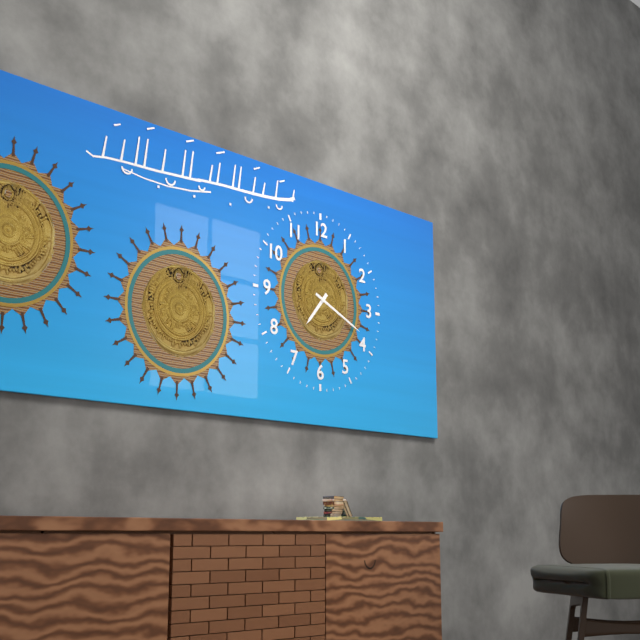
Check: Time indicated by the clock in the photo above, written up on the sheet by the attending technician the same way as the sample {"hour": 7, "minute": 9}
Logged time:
{"hour": 7, "minute": 19}
